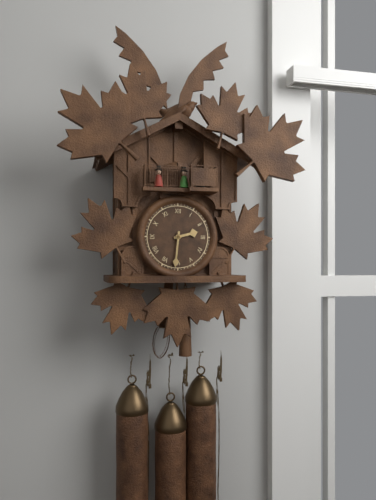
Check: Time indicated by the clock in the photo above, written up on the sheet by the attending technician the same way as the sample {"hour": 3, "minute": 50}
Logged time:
{"hour": 2, "minute": 31}
